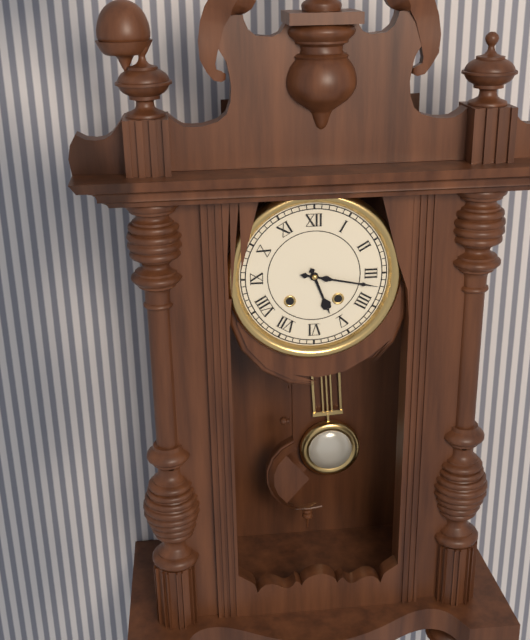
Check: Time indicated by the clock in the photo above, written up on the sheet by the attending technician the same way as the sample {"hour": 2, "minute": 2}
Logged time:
{"hour": 5, "minute": 17}
